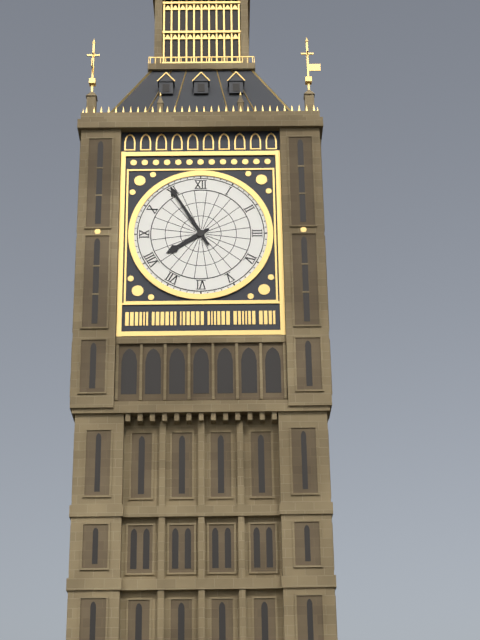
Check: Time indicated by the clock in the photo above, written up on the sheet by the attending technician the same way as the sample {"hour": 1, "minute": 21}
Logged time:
{"hour": 7, "minute": 55}
